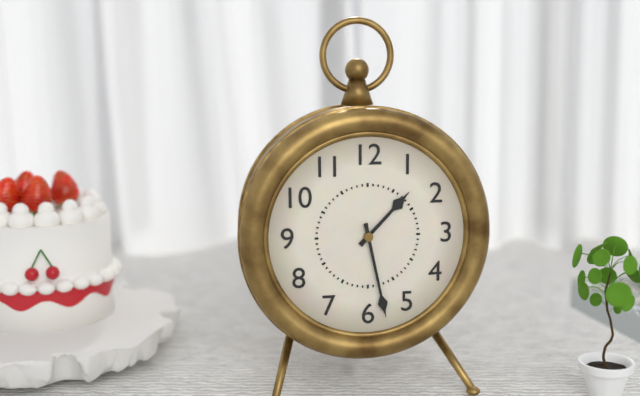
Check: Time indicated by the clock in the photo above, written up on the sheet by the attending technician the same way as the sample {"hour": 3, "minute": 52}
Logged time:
{"hour": 1, "minute": 28}
